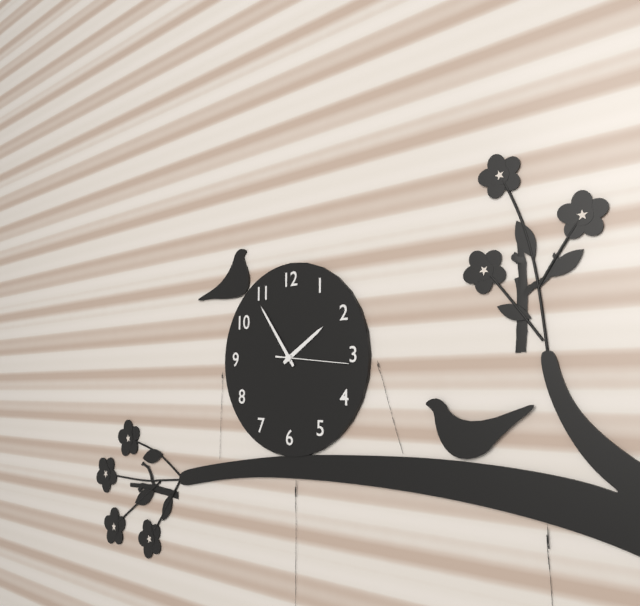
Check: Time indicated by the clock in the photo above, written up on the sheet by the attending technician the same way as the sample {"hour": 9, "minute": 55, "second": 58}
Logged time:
{"hour": 1, "minute": 54, "second": 16}
